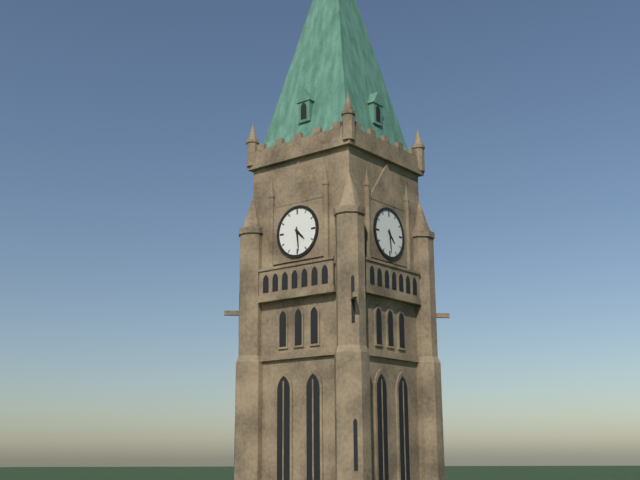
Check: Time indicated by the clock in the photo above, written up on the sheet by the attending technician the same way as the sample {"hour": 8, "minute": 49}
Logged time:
{"hour": 4, "minute": 29}
